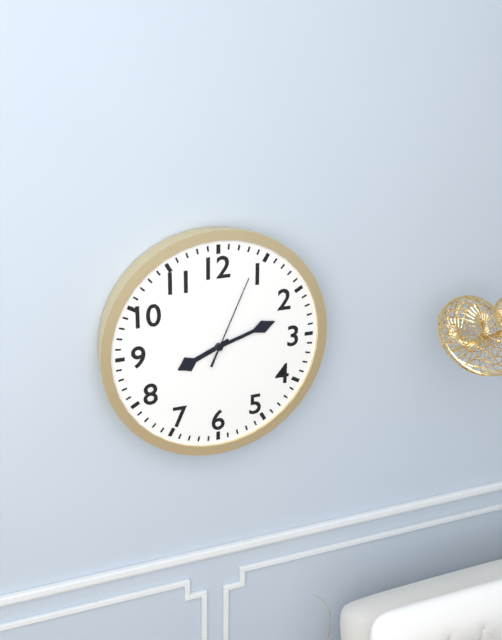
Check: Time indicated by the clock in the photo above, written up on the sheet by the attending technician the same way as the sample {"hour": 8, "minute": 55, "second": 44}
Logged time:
{"hour": 8, "minute": 12, "second": 4}
